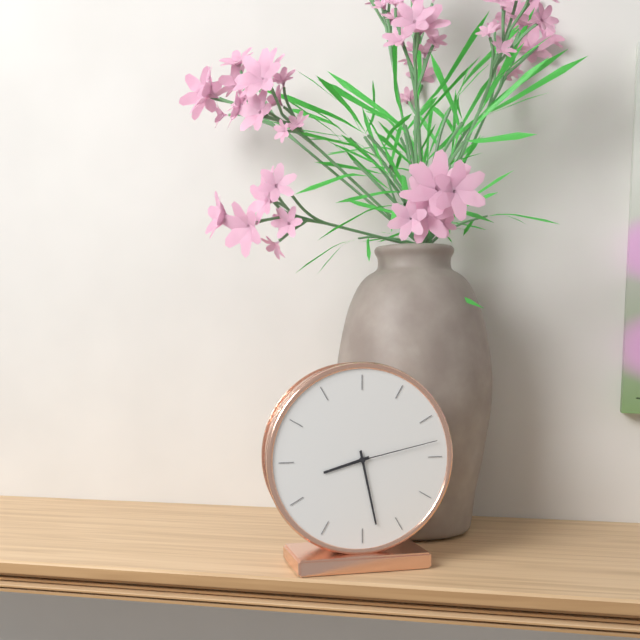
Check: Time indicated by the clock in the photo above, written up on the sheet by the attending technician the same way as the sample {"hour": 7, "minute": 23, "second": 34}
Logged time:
{"hour": 8, "minute": 28, "second": 13}
